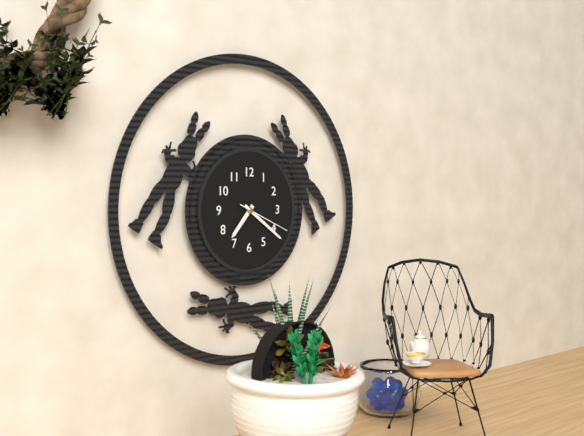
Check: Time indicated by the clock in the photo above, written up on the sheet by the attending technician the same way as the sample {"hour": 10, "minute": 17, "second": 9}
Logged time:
{"hour": 7, "minute": 21, "second": 19}
